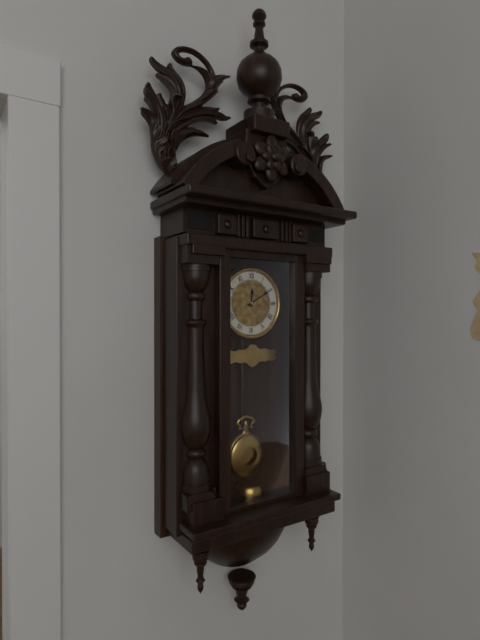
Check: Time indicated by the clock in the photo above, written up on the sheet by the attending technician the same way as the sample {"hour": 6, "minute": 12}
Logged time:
{"hour": 12, "minute": 10}
